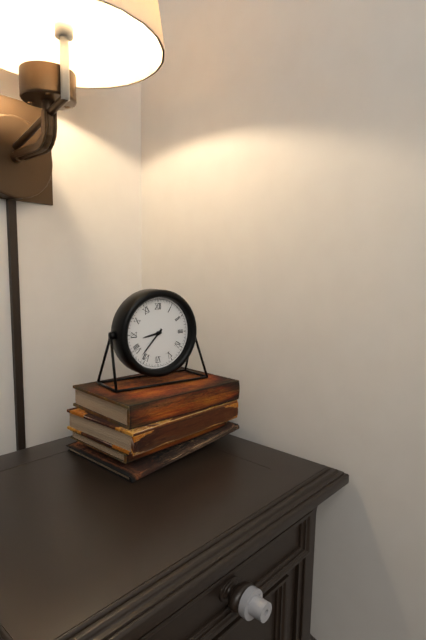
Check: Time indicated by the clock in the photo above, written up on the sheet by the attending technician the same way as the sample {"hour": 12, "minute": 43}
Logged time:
{"hour": 8, "minute": 37}
